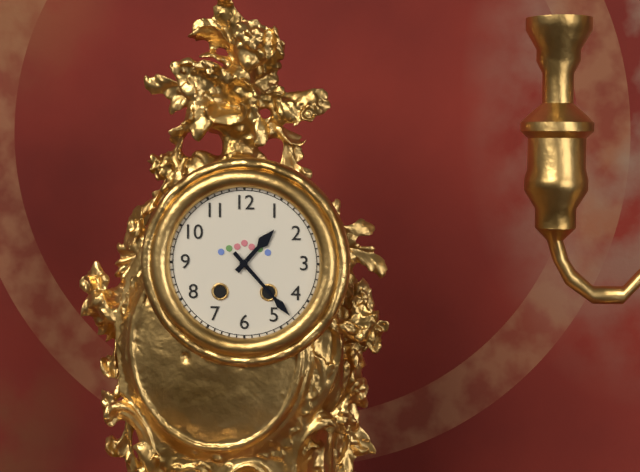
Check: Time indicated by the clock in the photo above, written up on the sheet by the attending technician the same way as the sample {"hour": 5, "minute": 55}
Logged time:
{"hour": 1, "minute": 23}
